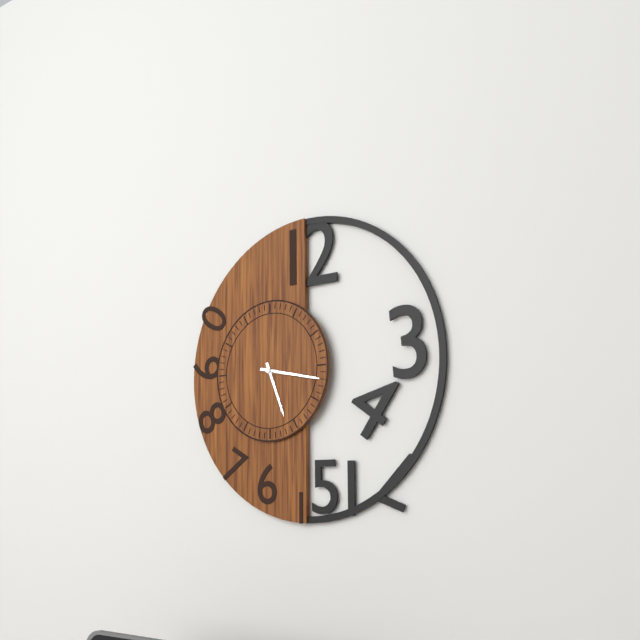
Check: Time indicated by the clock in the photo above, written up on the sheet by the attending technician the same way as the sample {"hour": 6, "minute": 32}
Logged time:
{"hour": 5, "minute": 17}
